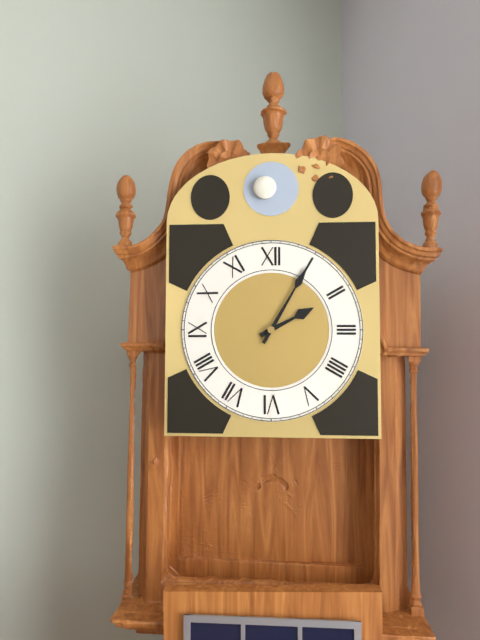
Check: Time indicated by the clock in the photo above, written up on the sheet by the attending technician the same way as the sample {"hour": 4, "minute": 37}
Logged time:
{"hour": 2, "minute": 5}
